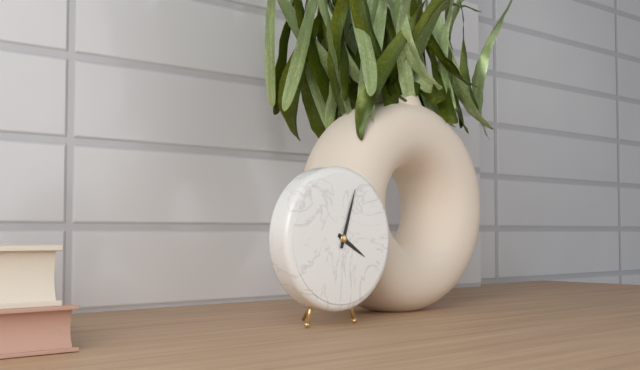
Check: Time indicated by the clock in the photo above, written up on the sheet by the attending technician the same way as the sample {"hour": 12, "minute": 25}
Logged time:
{"hour": 4, "minute": 3}
